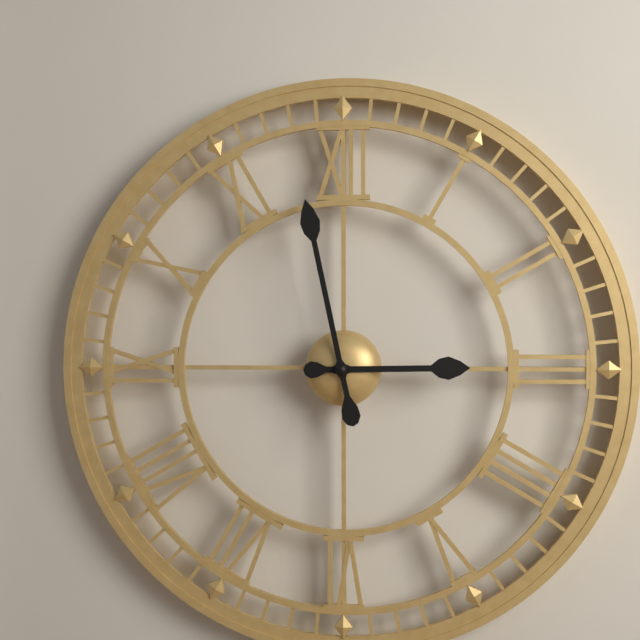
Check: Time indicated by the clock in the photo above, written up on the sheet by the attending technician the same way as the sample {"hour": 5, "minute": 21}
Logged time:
{"hour": 2, "minute": 58}
